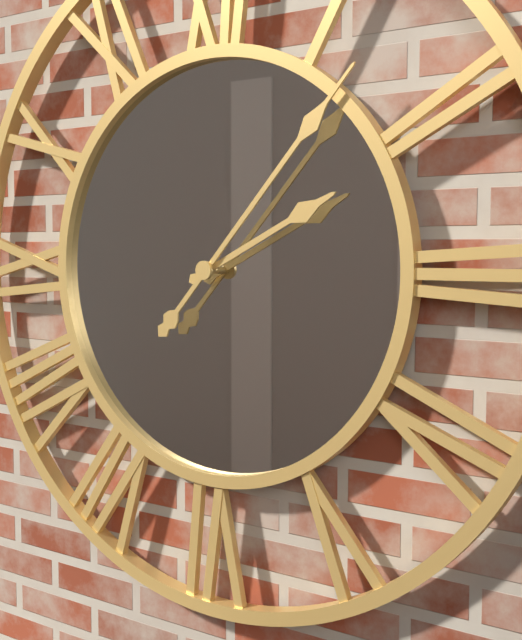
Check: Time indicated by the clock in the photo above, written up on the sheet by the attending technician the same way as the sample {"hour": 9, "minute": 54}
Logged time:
{"hour": 2, "minute": 7}
